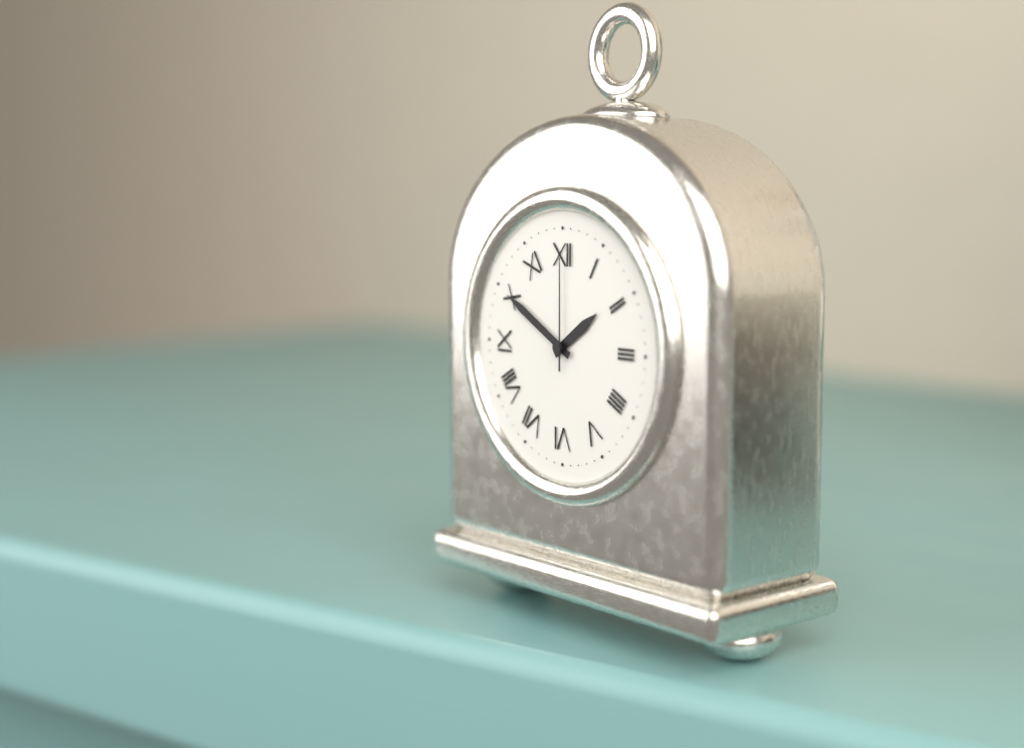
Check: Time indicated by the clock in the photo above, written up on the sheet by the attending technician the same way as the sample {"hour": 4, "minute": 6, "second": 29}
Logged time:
{"hour": 1, "minute": 50, "second": 0}
